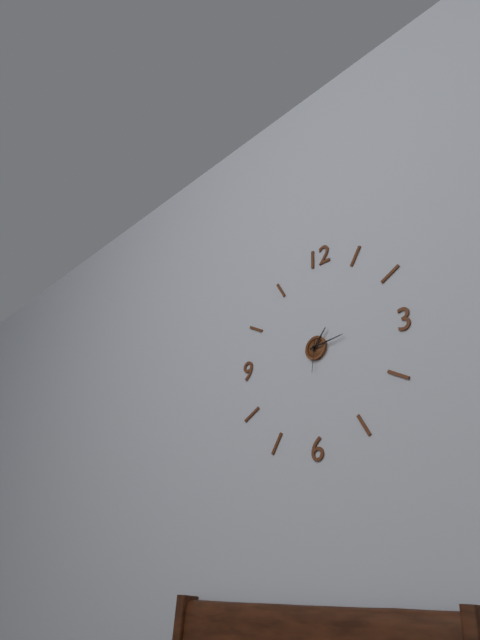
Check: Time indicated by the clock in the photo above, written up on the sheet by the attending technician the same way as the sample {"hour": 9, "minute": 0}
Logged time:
{"hour": 1, "minute": 14}
